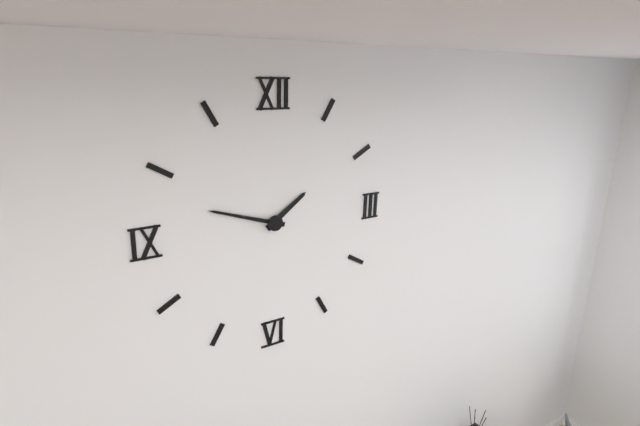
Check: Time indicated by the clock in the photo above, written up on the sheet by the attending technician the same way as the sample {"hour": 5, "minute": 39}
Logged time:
{"hour": 1, "minute": 48}
